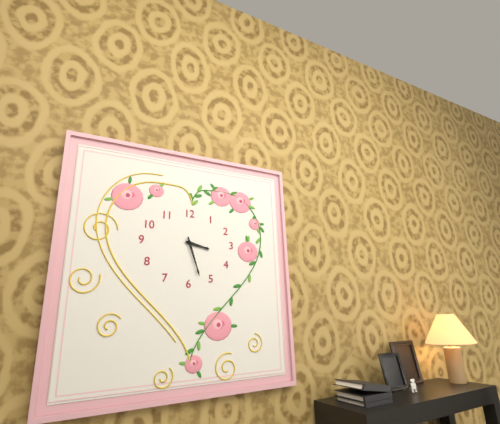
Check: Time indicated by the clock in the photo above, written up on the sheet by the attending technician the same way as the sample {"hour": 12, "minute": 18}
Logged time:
{"hour": 3, "minute": 27}
